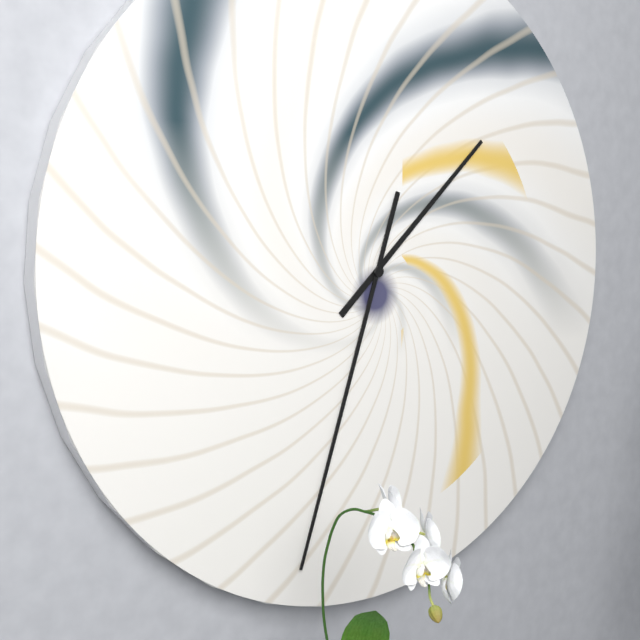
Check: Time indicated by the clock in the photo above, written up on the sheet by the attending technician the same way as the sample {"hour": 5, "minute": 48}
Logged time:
{"hour": 1, "minute": 33}
